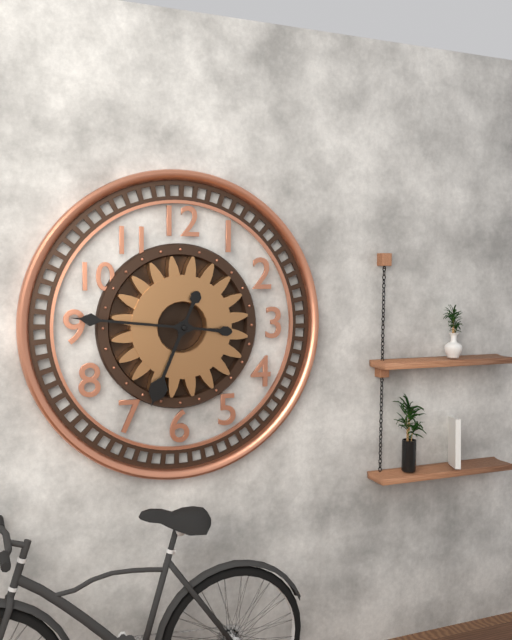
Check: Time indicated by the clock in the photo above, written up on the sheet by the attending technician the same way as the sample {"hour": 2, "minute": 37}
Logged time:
{"hour": 6, "minute": 46}
